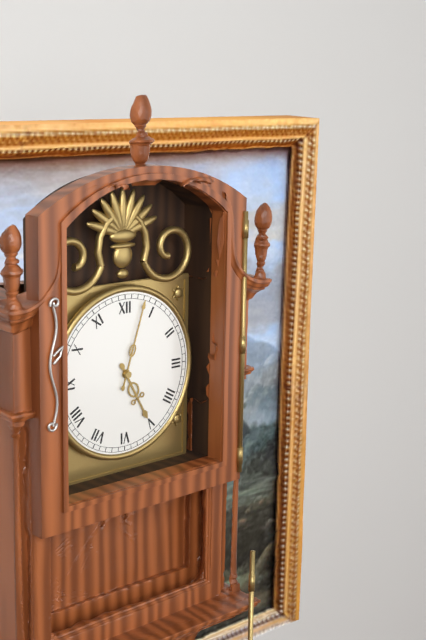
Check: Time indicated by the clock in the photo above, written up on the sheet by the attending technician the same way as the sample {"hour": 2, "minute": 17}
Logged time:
{"hour": 5, "minute": 3}
